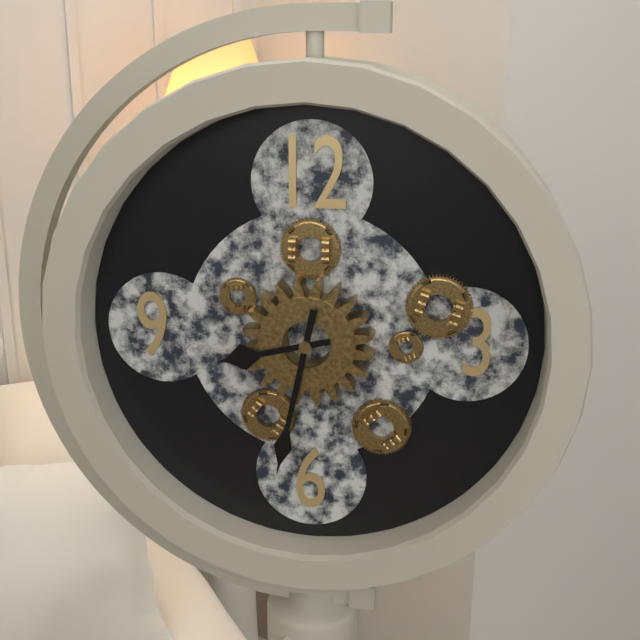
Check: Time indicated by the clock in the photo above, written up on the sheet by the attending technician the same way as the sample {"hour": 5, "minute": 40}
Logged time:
{"hour": 8, "minute": 32}
